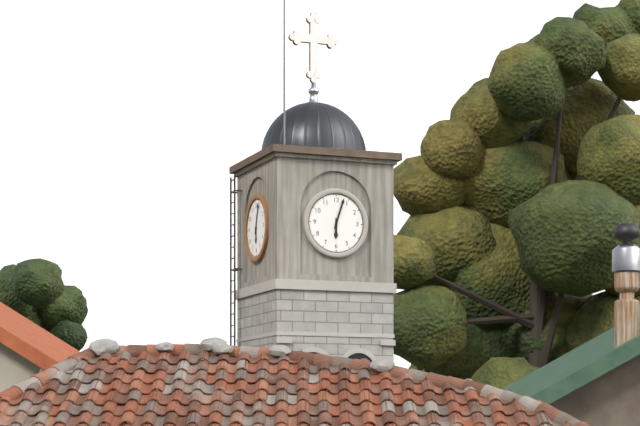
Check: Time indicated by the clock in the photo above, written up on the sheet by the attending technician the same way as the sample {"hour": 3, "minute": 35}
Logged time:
{"hour": 6, "minute": 3}
